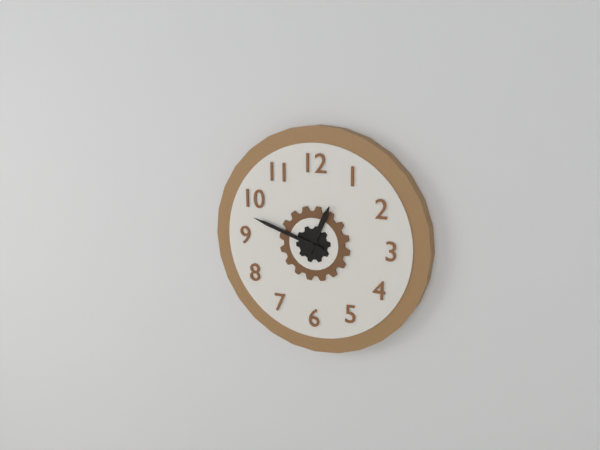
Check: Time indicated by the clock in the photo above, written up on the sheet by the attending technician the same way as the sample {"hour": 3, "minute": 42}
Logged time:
{"hour": 12, "minute": 48}
